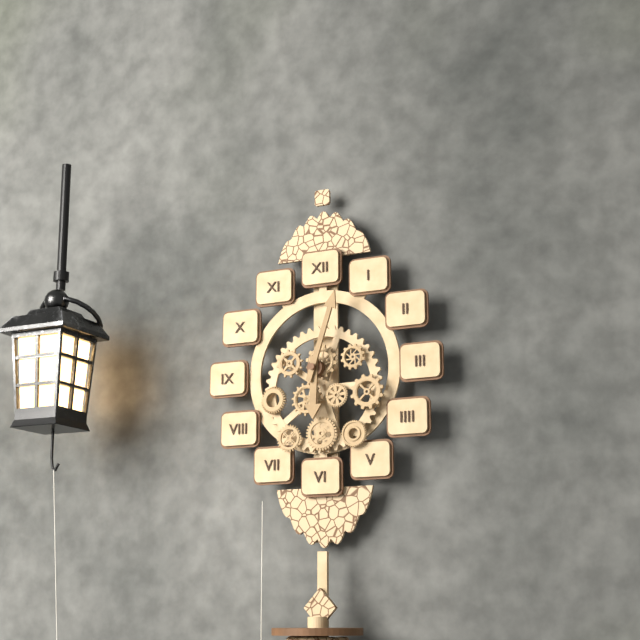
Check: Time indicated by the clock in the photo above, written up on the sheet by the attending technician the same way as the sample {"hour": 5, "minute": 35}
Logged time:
{"hour": 6, "minute": 3}
